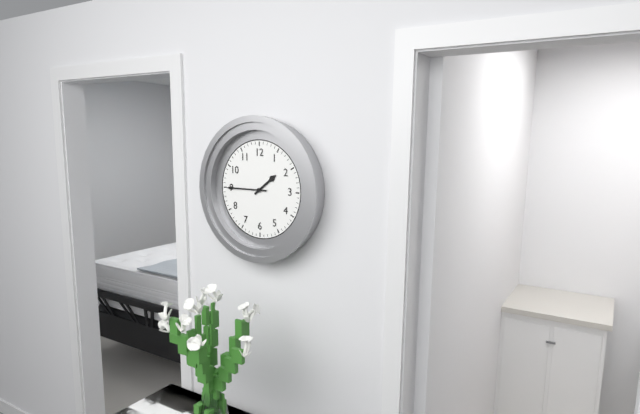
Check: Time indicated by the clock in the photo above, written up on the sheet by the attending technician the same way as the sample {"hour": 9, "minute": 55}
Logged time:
{"hour": 1, "minute": 45}
